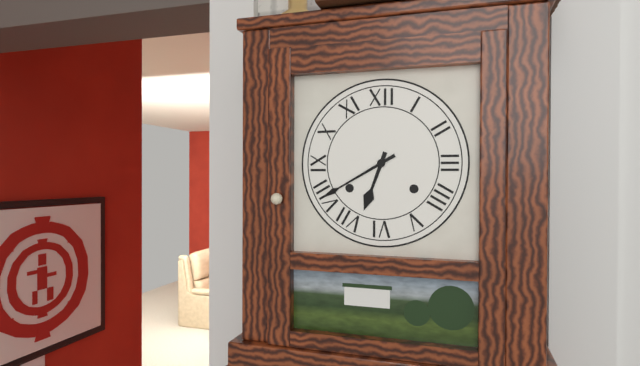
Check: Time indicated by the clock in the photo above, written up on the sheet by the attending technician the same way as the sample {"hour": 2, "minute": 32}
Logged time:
{"hour": 6, "minute": 40}
